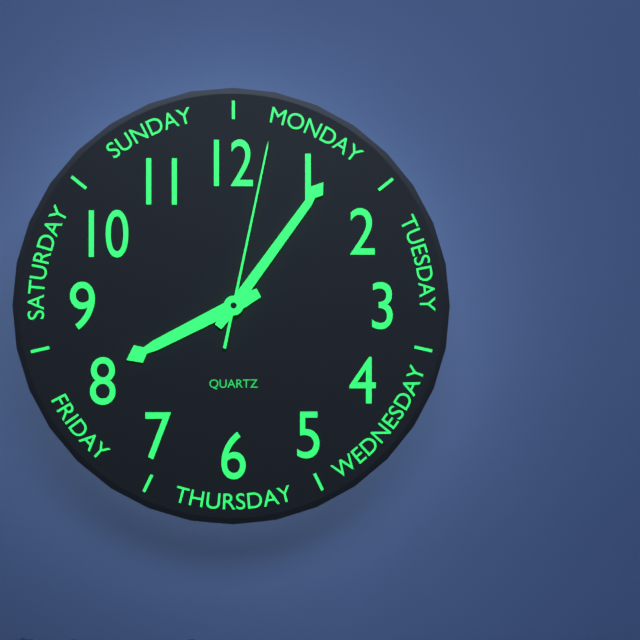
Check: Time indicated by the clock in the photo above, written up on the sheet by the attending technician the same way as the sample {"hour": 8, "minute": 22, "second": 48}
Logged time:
{"hour": 8, "minute": 6, "second": 2}
